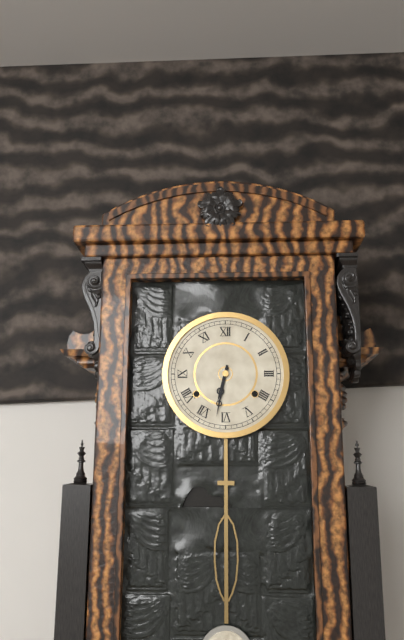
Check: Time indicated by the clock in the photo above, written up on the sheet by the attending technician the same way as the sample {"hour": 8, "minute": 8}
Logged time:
{"hour": 6, "minute": 32}
